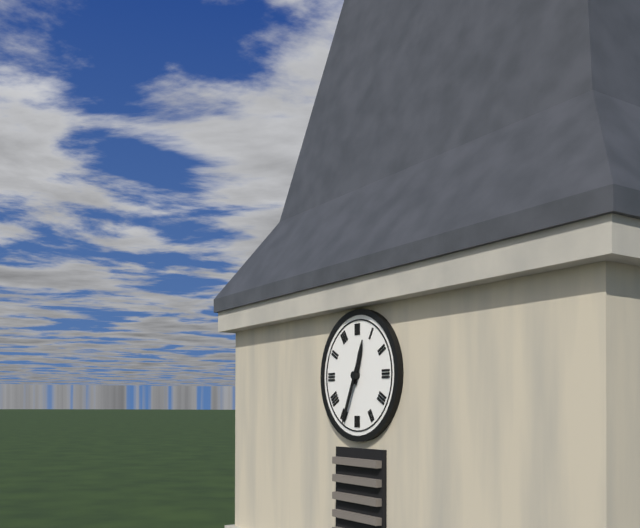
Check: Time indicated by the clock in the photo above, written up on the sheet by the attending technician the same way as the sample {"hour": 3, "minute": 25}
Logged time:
{"hour": 12, "minute": 34}
